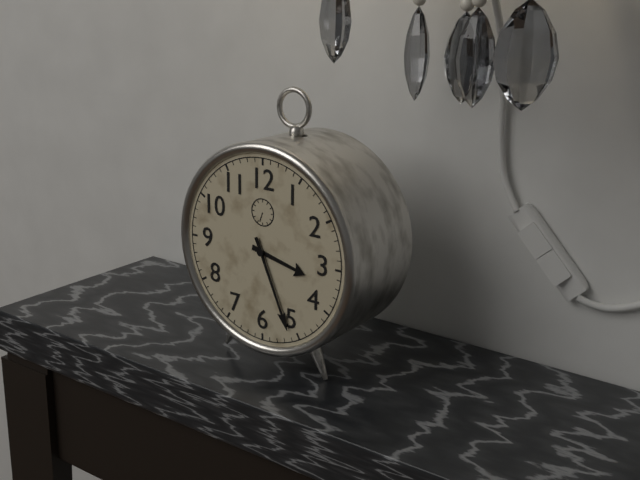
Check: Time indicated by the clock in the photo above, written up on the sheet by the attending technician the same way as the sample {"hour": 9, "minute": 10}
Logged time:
{"hour": 3, "minute": 26}
